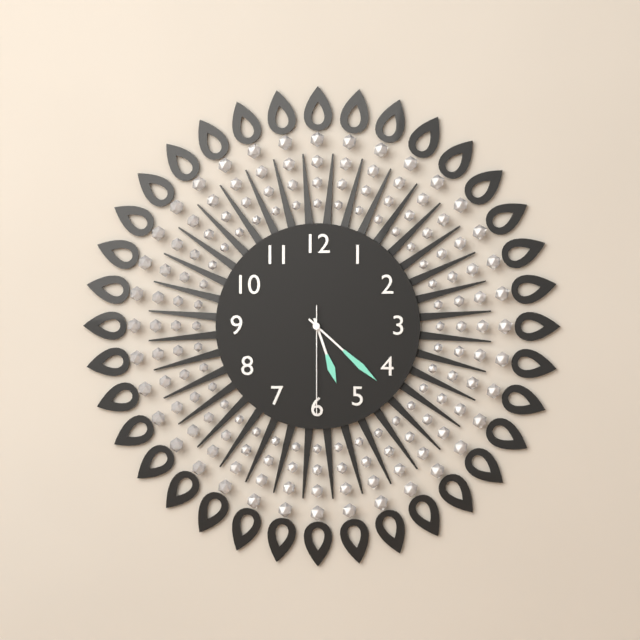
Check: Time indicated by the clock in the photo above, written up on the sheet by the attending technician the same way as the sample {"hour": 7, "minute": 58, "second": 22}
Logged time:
{"hour": 5, "minute": 22, "second": 30}
